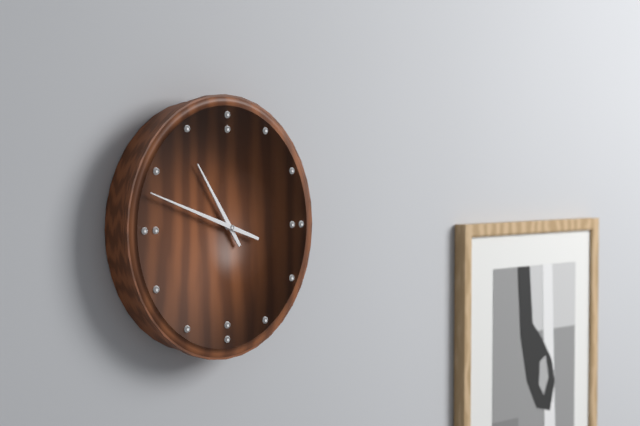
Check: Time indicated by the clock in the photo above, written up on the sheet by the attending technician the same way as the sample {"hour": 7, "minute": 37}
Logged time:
{"hour": 10, "minute": 48}
